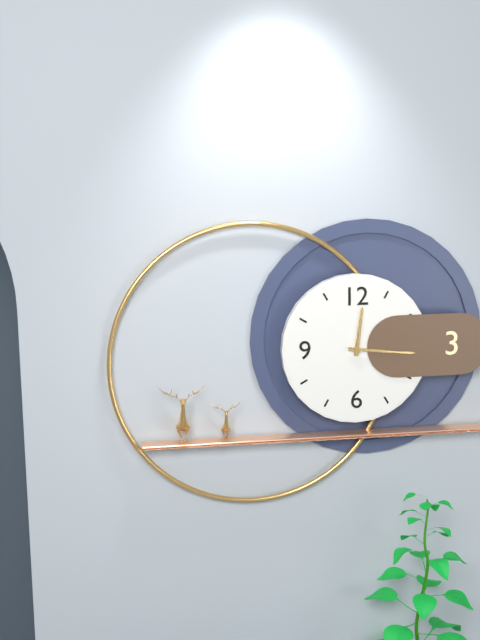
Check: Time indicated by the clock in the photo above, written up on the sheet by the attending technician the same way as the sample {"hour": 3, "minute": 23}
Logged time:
{"hour": 12, "minute": 16}
